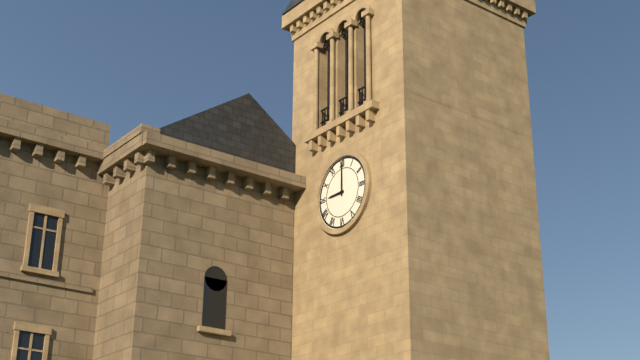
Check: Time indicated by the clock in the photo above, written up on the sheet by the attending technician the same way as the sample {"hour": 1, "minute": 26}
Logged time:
{"hour": 9, "minute": 0}
